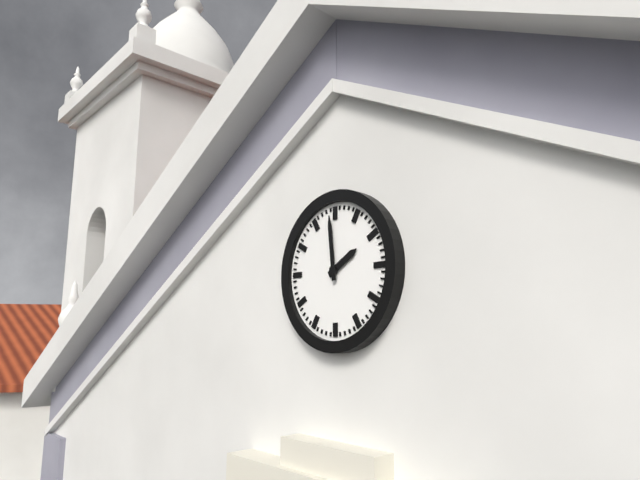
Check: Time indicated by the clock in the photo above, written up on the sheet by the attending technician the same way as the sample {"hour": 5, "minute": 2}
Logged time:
{"hour": 1, "minute": 59}
